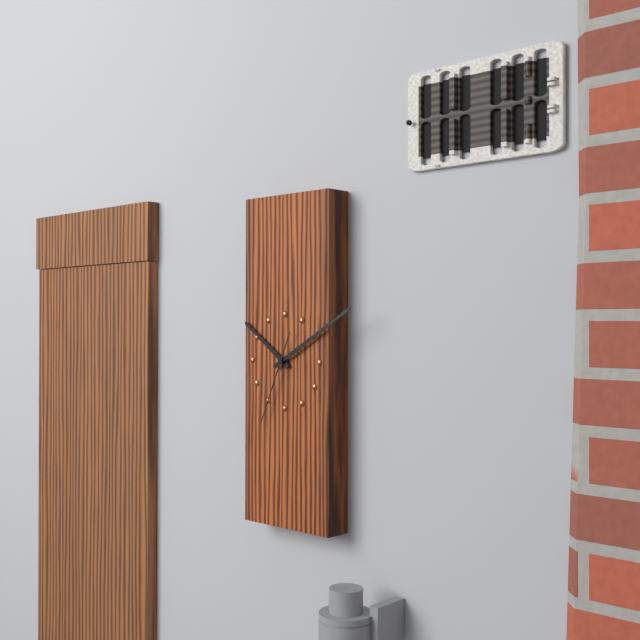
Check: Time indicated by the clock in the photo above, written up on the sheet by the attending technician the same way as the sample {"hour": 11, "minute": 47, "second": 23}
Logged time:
{"hour": 10, "minute": 10, "second": 34}
